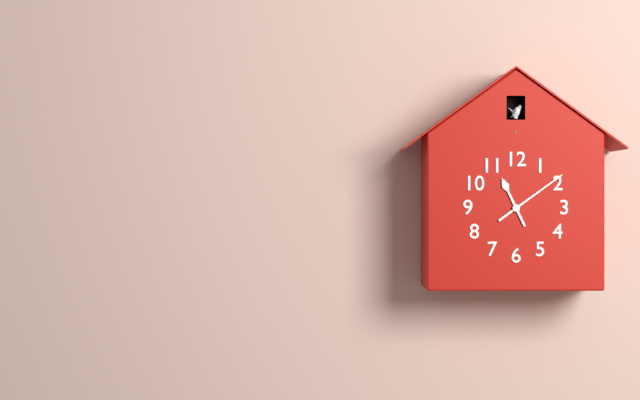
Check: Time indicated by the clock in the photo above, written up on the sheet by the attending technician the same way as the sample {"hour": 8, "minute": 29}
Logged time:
{"hour": 11, "minute": 9}
